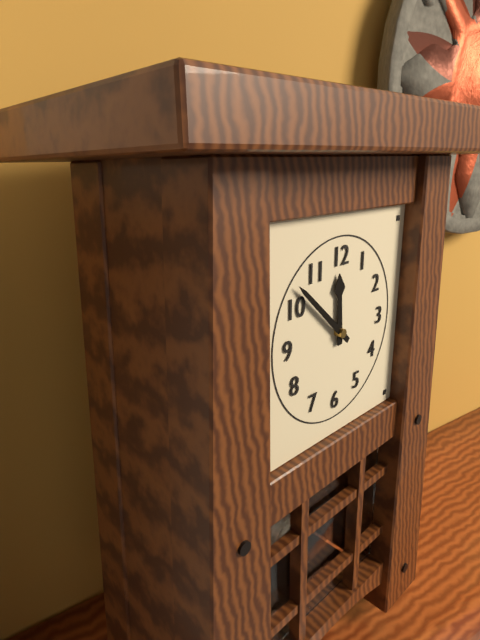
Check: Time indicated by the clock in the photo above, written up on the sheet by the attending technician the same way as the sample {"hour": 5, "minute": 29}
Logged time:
{"hour": 11, "minute": 52}
